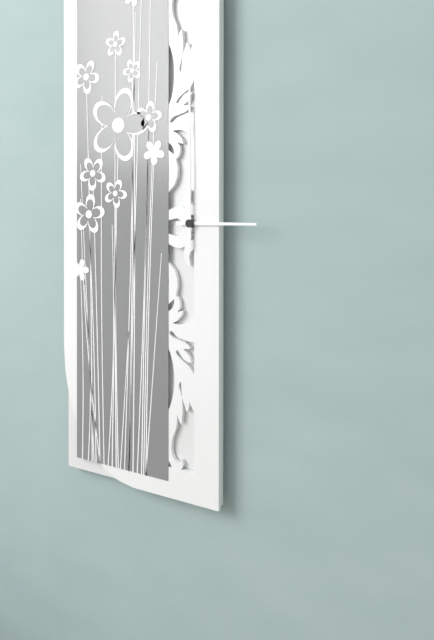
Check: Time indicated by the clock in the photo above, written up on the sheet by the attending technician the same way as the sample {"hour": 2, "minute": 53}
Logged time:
{"hour": 3, "minute": 0}
